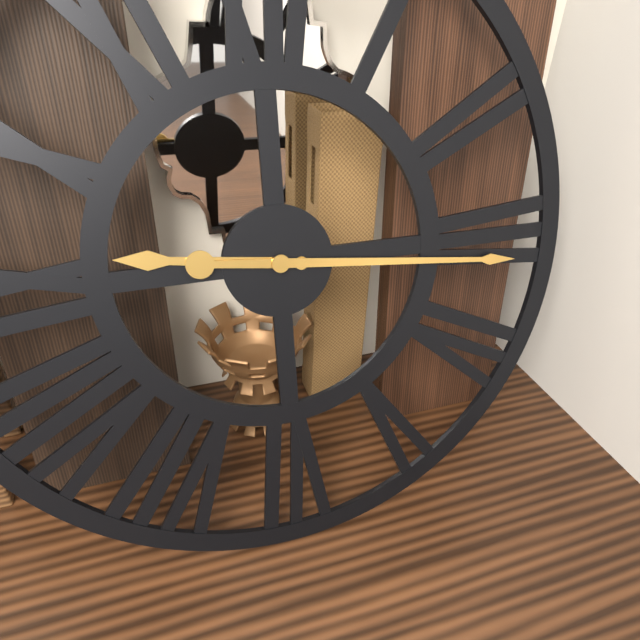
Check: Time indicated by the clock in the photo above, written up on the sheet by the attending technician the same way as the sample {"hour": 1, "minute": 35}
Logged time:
{"hour": 9, "minute": 16}
